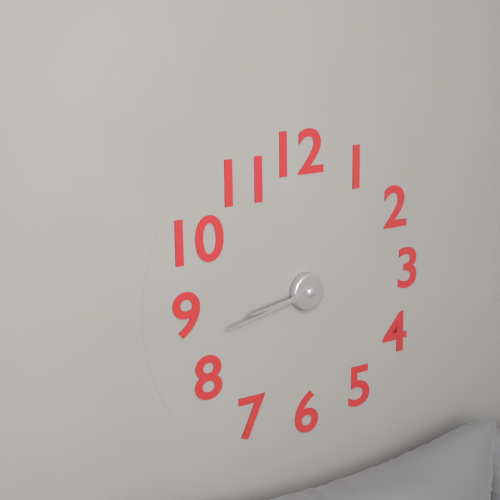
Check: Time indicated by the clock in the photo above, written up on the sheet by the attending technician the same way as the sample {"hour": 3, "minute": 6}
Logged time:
{"hour": 8, "minute": 43}
